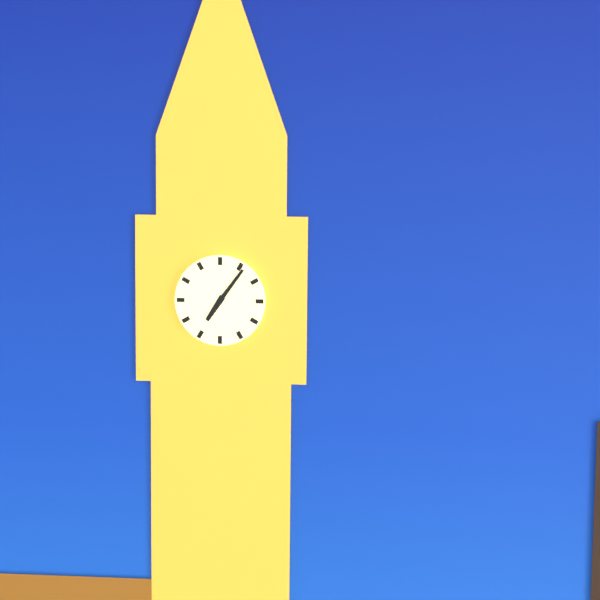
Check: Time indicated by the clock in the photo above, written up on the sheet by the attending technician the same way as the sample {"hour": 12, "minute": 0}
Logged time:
{"hour": 7, "minute": 6}
